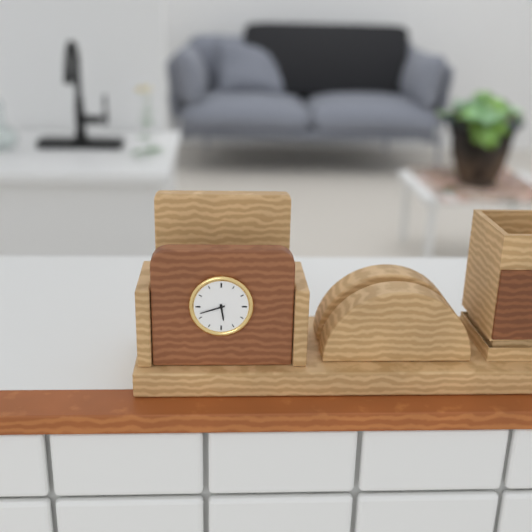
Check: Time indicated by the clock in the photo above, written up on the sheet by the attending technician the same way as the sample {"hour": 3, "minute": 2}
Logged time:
{"hour": 5, "minute": 42}
